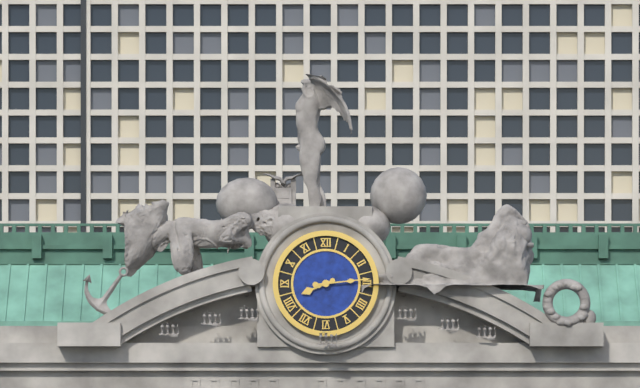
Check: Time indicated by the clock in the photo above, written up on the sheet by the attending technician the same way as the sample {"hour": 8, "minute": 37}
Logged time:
{"hour": 8, "minute": 14}
